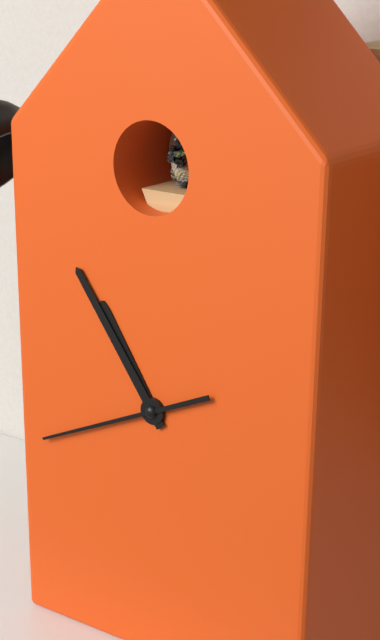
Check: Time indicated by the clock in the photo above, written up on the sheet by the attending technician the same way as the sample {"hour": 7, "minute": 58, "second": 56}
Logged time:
{"hour": 10, "minute": 54, "second": 41}
